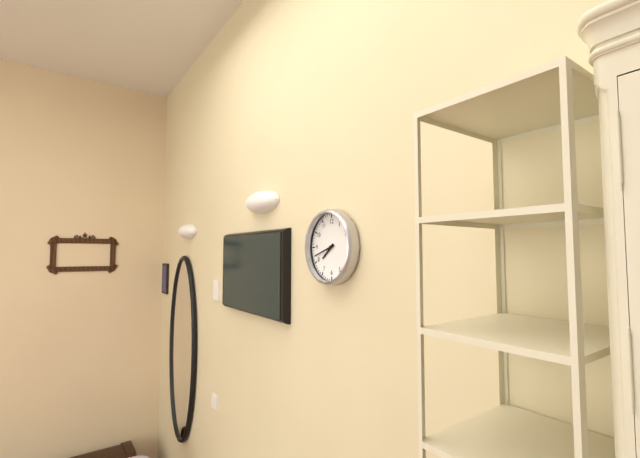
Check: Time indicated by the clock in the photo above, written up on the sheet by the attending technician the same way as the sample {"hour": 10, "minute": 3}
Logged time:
{"hour": 7, "minute": 42}
